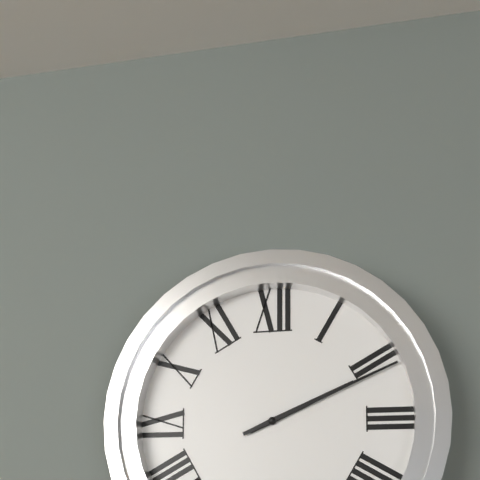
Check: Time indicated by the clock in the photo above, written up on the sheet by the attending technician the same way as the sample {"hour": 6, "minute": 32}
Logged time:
{"hour": 2, "minute": 11}
